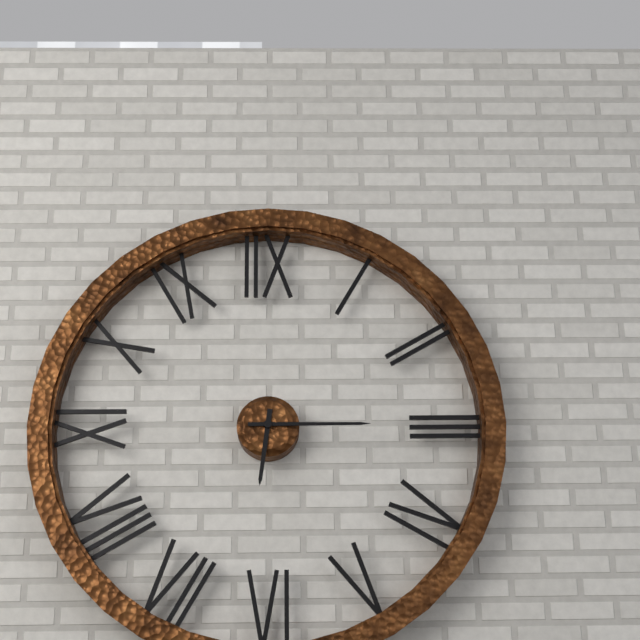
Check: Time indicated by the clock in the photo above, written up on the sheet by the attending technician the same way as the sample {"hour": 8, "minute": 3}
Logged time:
{"hour": 6, "minute": 15}
